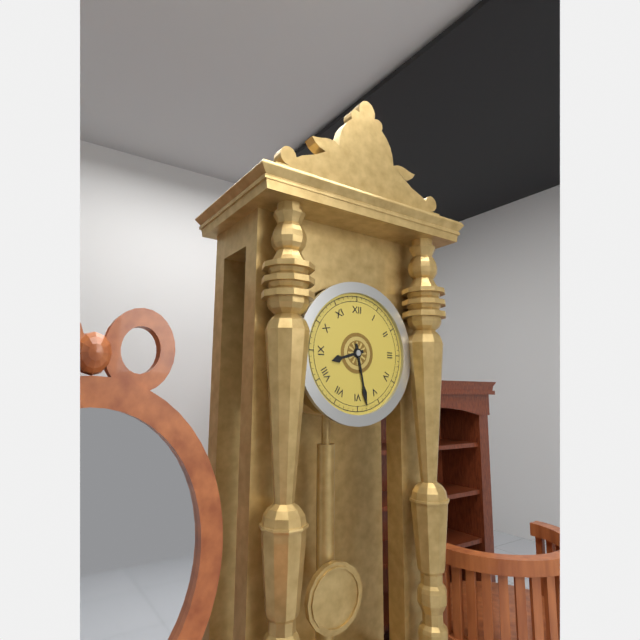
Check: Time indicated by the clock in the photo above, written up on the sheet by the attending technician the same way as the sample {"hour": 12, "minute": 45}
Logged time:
{"hour": 8, "minute": 28}
